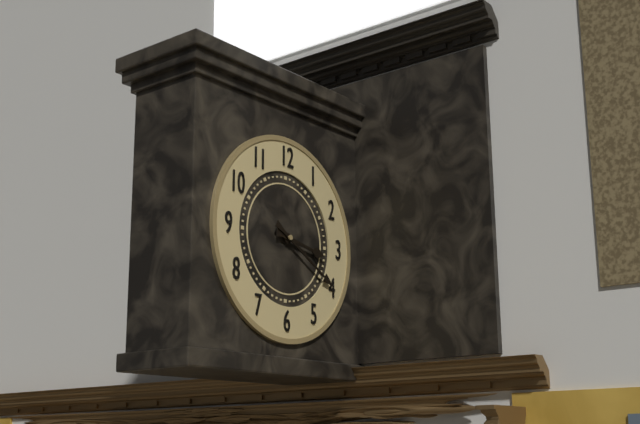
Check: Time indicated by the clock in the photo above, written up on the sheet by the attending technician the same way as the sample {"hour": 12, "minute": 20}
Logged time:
{"hour": 3, "minute": 20}
